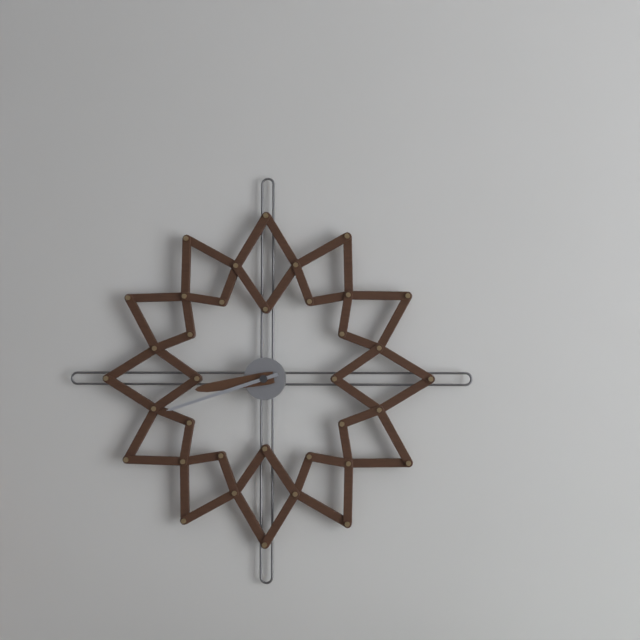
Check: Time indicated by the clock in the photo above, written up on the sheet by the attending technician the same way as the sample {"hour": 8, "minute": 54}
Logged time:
{"hour": 8, "minute": 42}
